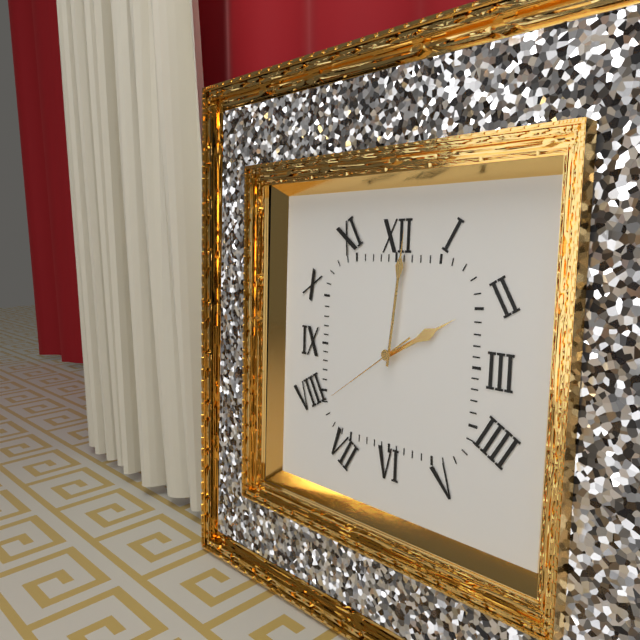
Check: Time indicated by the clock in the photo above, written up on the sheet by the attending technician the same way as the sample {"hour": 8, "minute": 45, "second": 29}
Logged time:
{"hour": 2, "minute": 1, "second": 39}
